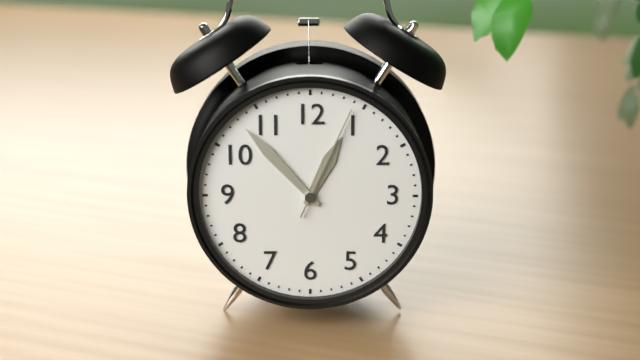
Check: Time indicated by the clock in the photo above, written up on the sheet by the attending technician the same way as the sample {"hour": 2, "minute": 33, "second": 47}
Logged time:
{"hour": 12, "minute": 53, "second": 4}
